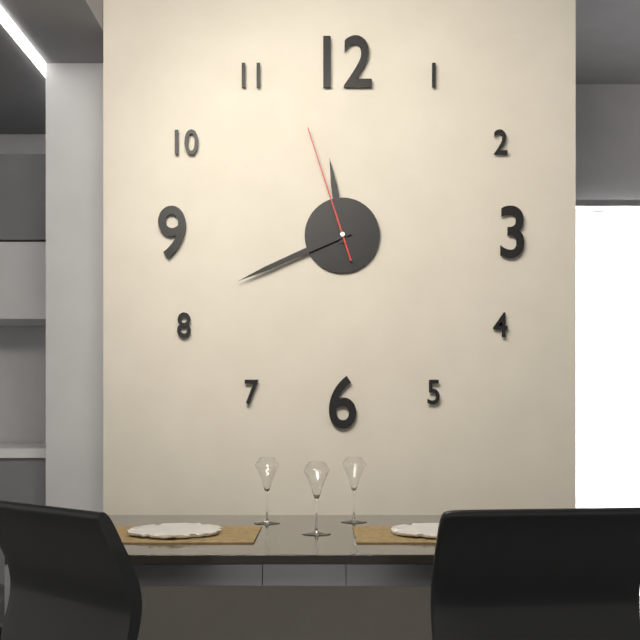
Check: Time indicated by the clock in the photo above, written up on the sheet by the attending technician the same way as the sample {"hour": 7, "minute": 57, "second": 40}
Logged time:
{"hour": 11, "minute": 41, "second": 57}
